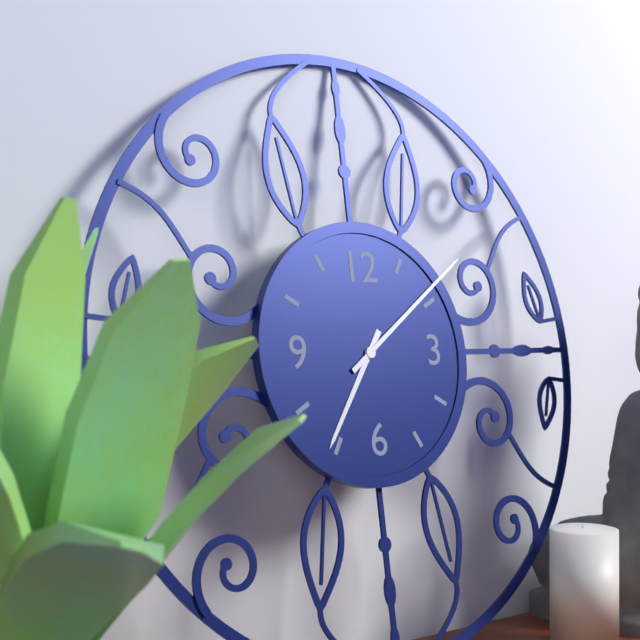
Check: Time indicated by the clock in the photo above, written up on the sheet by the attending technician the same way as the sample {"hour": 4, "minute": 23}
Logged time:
{"hour": 7, "minute": 9}
